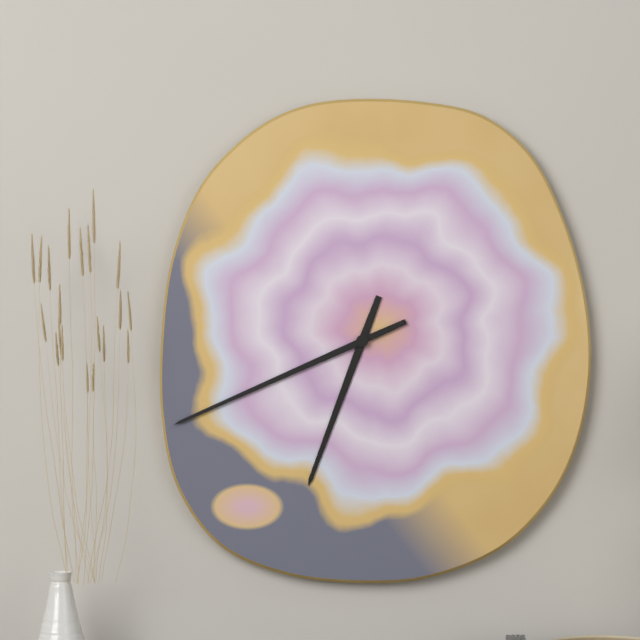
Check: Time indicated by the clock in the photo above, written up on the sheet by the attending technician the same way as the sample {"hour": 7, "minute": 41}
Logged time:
{"hour": 6, "minute": 41}
